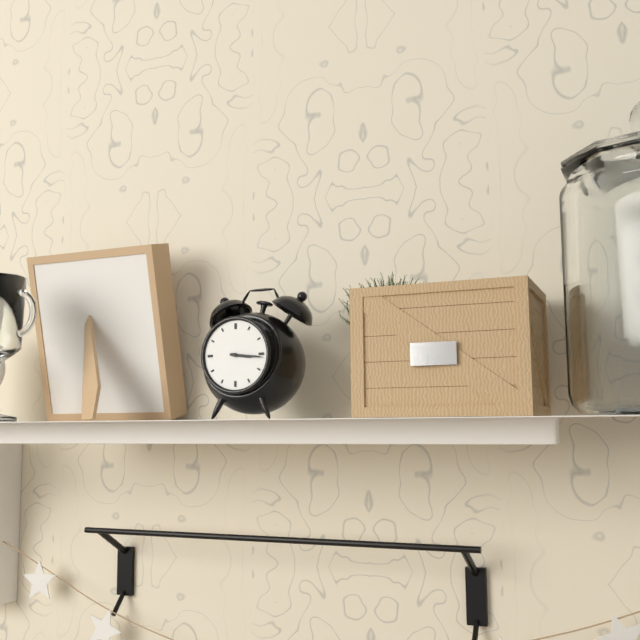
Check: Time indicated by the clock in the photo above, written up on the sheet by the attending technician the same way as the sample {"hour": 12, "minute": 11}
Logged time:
{"hour": 3, "minute": 16}
